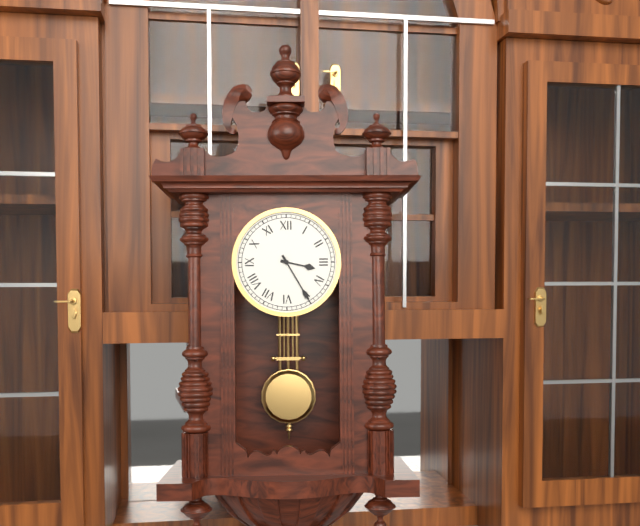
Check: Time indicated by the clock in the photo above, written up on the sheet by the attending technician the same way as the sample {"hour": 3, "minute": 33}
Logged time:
{"hour": 3, "minute": 25}
